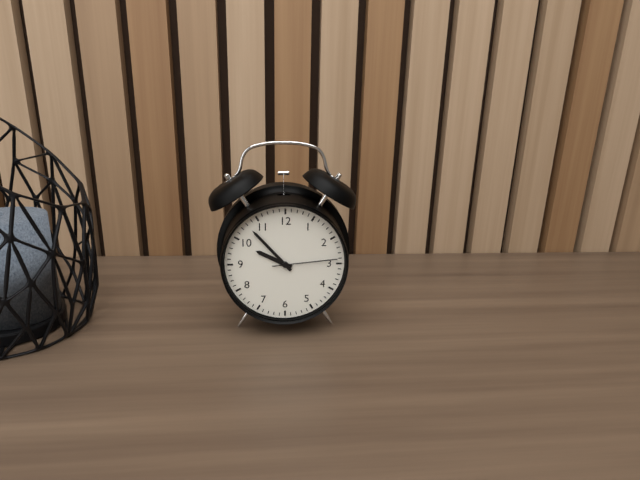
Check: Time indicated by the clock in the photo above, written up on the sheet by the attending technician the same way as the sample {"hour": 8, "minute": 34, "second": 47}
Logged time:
{"hour": 9, "minute": 53, "second": 14}
